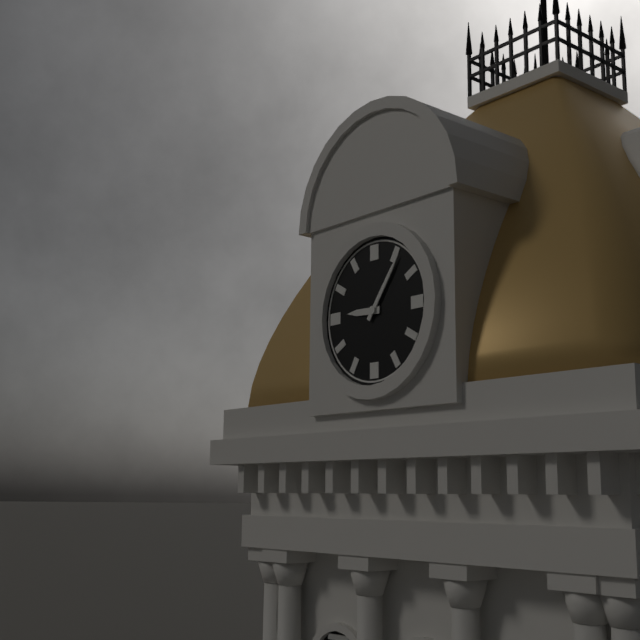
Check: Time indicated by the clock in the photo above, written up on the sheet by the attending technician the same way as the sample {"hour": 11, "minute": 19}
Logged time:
{"hour": 9, "minute": 6}
